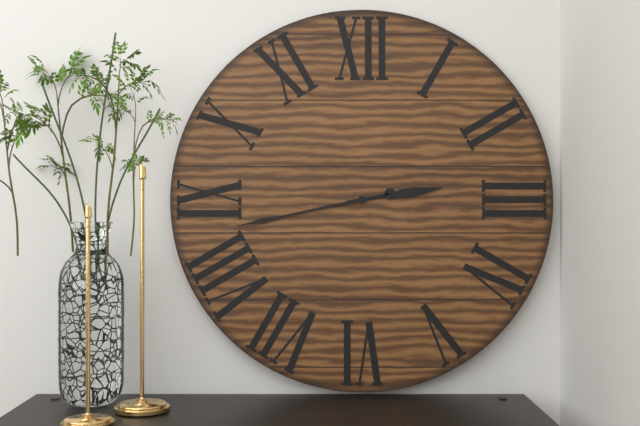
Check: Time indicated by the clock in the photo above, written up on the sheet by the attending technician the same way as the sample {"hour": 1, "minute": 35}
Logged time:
{"hour": 2, "minute": 43}
